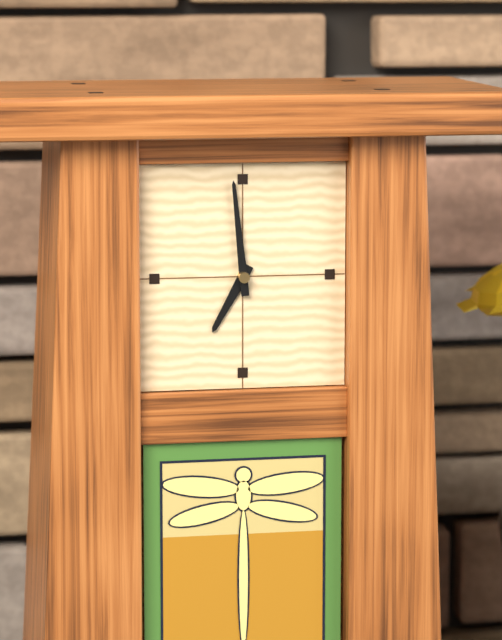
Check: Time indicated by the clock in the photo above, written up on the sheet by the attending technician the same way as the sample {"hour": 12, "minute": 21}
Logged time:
{"hour": 6, "minute": 59}
